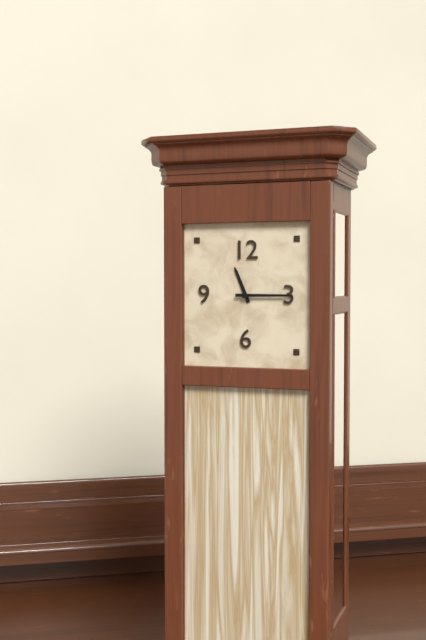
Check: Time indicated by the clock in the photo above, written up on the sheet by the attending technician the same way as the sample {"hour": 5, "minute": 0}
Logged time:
{"hour": 11, "minute": 15}
